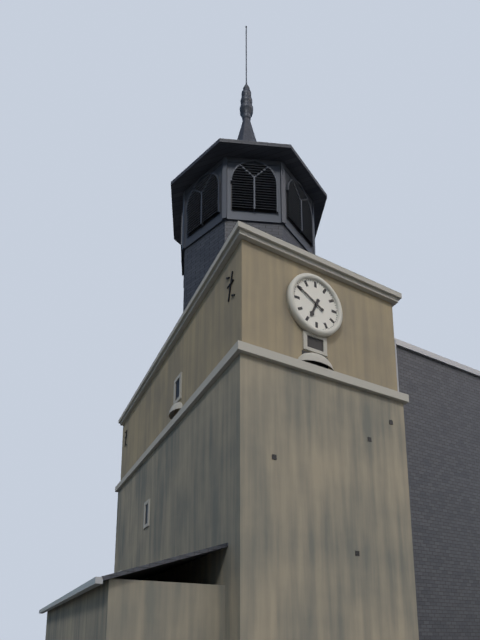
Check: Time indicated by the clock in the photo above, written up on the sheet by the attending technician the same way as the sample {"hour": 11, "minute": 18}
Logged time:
{"hour": 6, "minute": 50}
